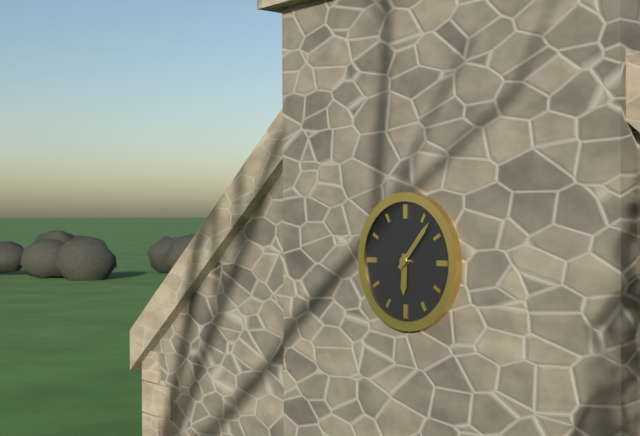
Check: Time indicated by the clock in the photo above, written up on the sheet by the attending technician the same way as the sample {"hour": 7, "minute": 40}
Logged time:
{"hour": 6, "minute": 7}
